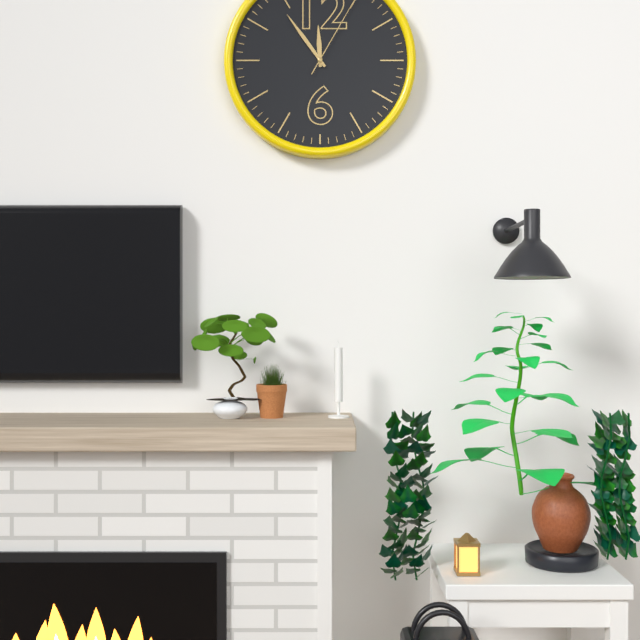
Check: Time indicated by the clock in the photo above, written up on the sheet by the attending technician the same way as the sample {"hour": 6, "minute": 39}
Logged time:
{"hour": 11, "minute": 54}
